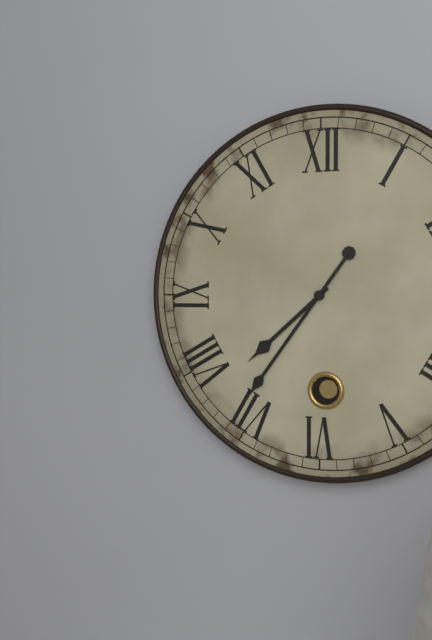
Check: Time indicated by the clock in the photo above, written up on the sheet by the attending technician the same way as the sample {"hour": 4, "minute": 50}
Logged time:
{"hour": 7, "minute": 36}
